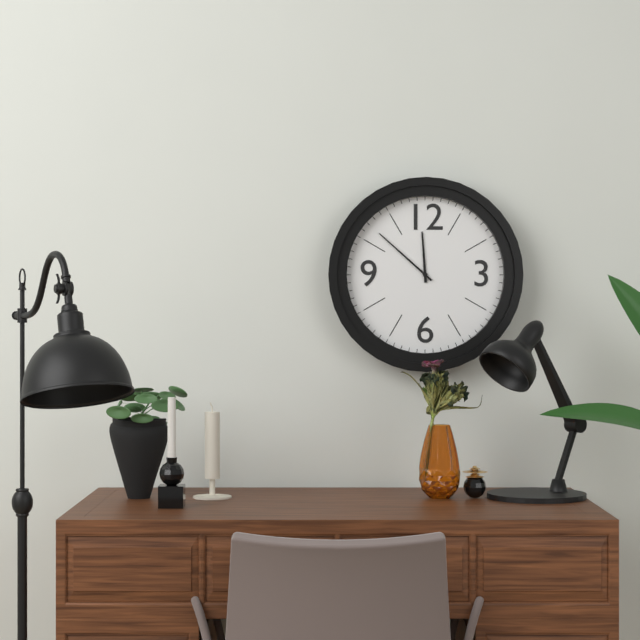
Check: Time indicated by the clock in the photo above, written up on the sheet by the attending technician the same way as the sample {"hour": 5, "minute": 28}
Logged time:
{"hour": 11, "minute": 52}
